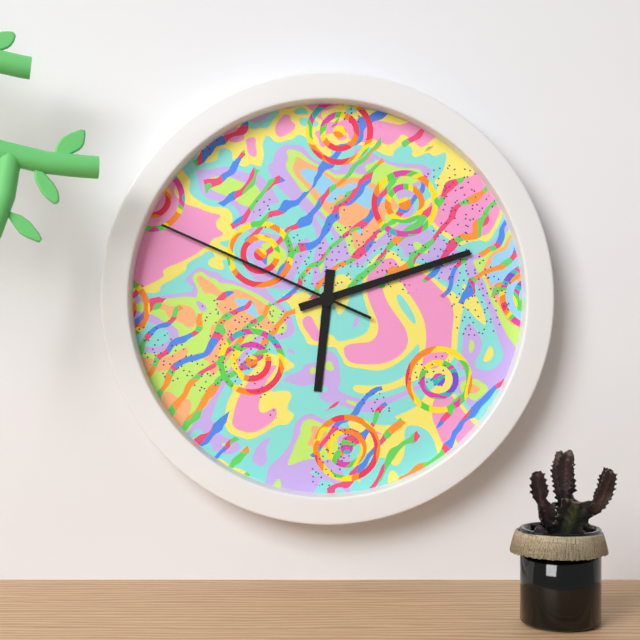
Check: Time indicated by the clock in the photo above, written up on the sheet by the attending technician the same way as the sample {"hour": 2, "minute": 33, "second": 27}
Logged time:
{"hour": 6, "minute": 12, "second": 49}
